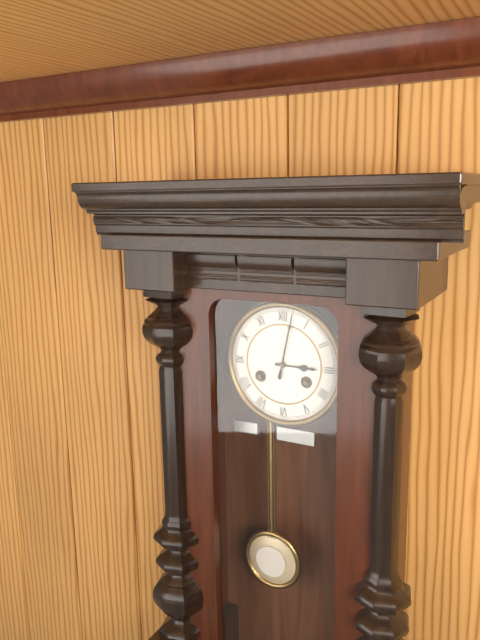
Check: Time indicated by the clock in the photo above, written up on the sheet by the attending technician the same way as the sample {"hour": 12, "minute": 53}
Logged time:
{"hour": 3, "minute": 2}
